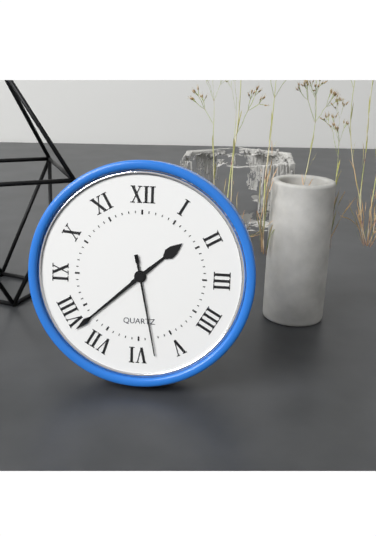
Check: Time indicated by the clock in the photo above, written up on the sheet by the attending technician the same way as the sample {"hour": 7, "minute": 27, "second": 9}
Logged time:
{"hour": 1, "minute": 38, "second": 28}
